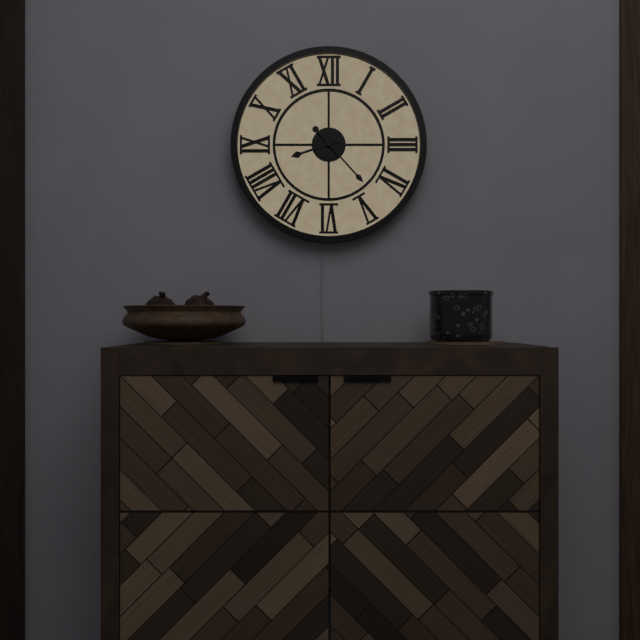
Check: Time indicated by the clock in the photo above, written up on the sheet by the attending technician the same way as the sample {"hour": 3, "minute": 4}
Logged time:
{"hour": 8, "minute": 23}
